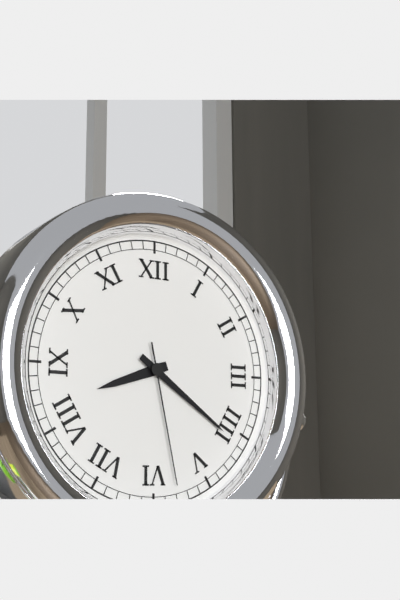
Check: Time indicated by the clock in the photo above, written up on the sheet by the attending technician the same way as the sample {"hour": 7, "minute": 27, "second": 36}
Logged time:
{"hour": 8, "minute": 21, "second": 28}
